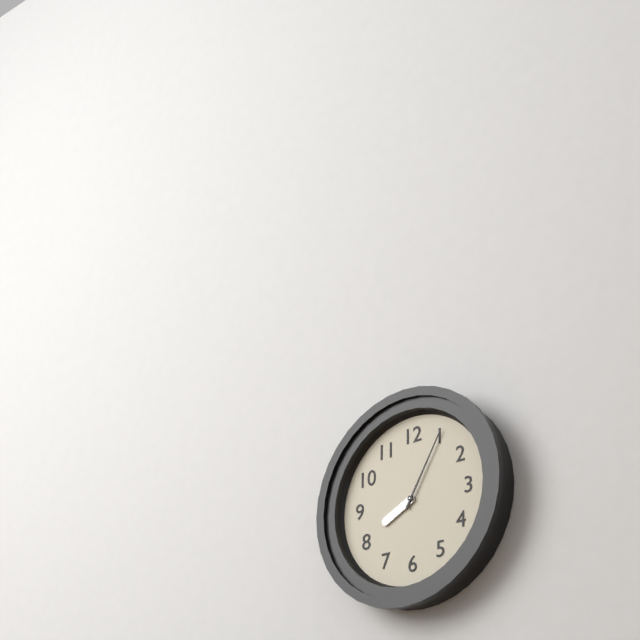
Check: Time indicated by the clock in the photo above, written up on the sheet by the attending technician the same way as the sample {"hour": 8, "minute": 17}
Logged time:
{"hour": 8, "minute": 5}
